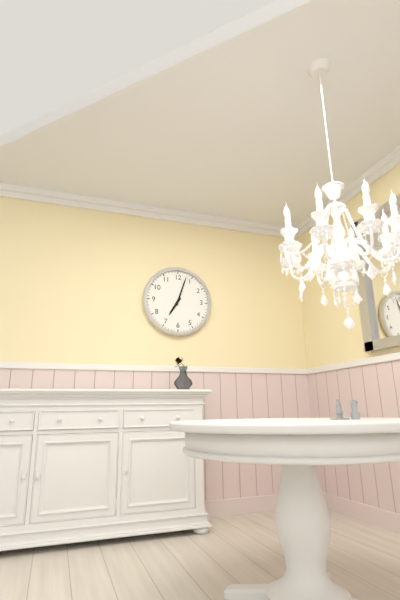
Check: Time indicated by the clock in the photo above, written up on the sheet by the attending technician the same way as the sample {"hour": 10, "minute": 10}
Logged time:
{"hour": 7, "minute": 3}
